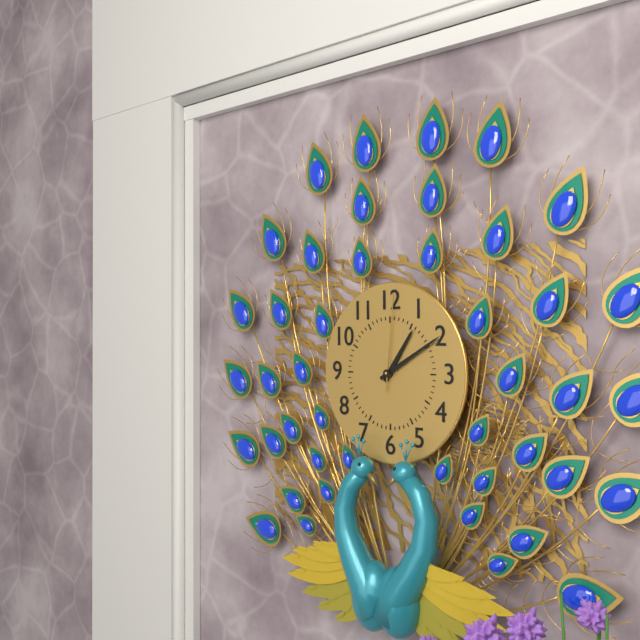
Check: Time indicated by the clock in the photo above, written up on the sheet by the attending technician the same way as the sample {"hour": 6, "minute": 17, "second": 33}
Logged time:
{"hour": 1, "minute": 10, "second": 1}
